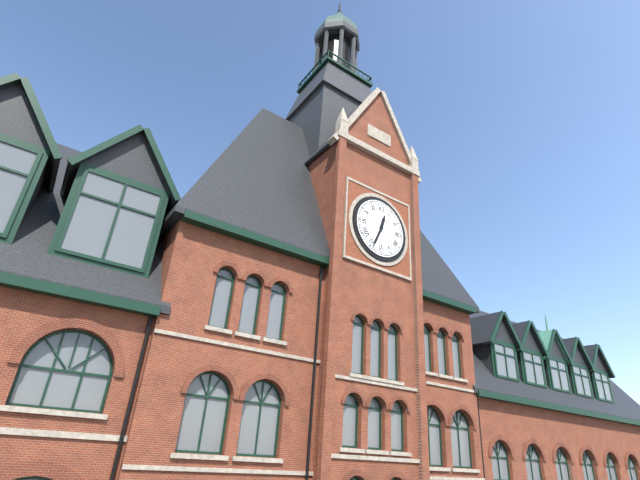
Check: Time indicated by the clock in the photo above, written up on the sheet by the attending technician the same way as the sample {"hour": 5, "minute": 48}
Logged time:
{"hour": 12, "minute": 34}
